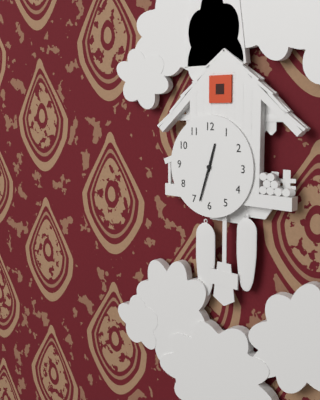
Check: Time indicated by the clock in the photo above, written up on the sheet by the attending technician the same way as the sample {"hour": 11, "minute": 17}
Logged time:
{"hour": 12, "minute": 33}
